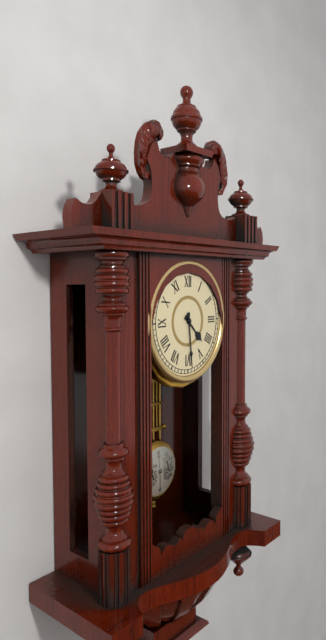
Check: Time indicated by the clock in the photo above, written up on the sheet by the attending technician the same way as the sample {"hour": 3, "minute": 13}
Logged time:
{"hour": 4, "minute": 29}
